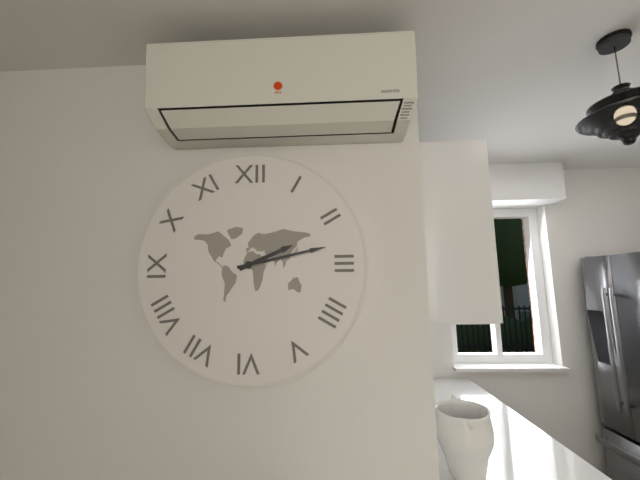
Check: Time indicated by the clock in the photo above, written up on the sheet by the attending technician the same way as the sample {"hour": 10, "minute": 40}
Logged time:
{"hour": 2, "minute": 13}
